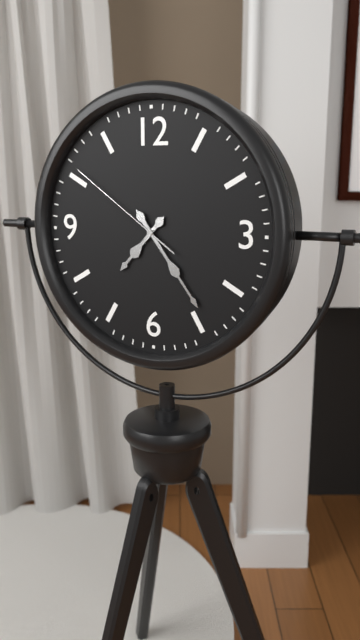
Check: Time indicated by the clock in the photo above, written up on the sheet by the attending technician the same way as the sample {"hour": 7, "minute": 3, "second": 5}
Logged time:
{"hour": 7, "minute": 24, "second": 51}
